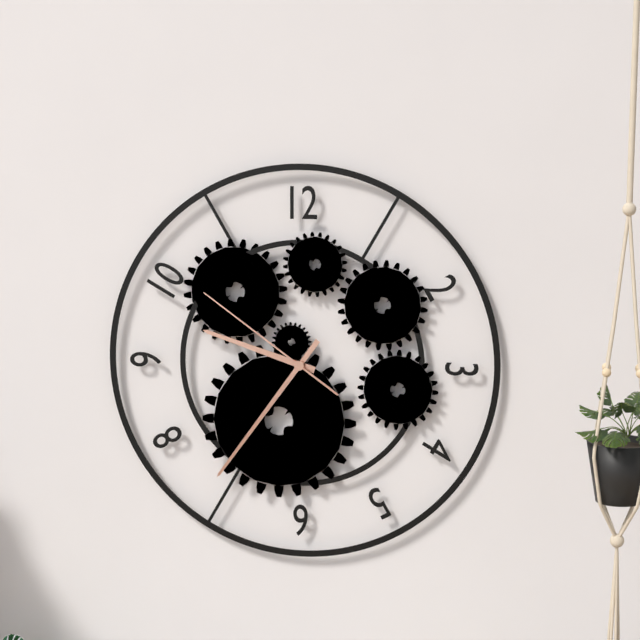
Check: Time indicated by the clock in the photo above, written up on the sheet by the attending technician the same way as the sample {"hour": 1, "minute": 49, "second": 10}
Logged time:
{"hour": 9, "minute": 36, "second": 51}
